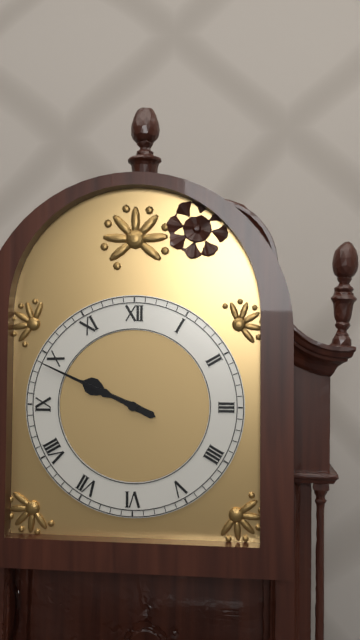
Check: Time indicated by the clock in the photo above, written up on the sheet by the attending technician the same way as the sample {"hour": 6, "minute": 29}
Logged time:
{"hour": 9, "minute": 49}
